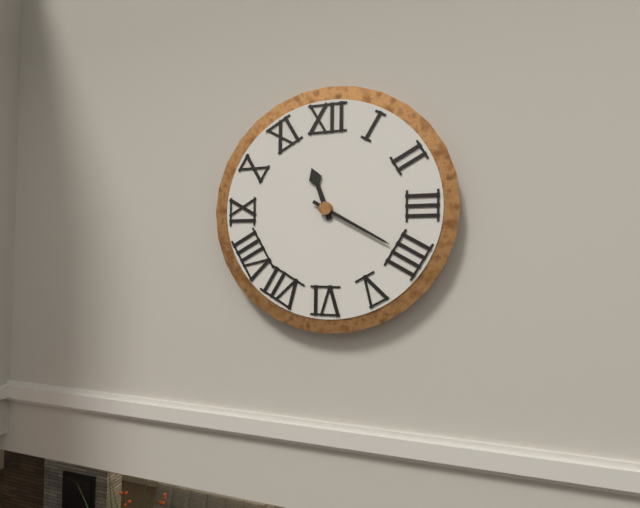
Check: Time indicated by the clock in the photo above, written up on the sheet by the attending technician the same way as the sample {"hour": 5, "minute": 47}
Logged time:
{"hour": 11, "minute": 20}
